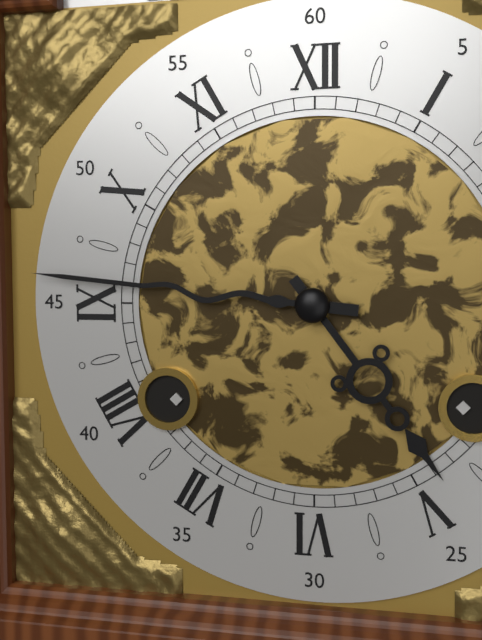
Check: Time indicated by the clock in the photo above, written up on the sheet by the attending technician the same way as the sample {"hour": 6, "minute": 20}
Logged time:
{"hour": 4, "minute": 46}
